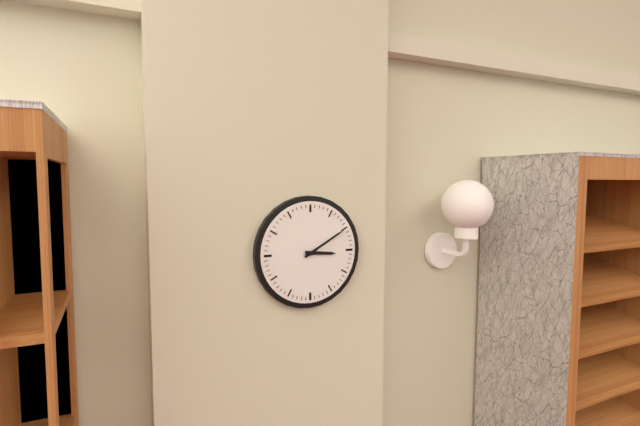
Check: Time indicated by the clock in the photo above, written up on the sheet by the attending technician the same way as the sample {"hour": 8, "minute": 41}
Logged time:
{"hour": 3, "minute": 10}
